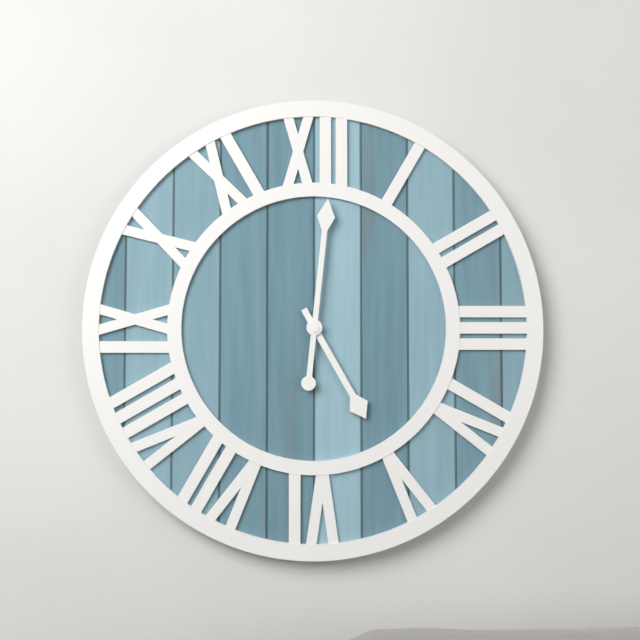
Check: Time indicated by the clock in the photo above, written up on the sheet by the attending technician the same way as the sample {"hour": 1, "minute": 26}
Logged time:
{"hour": 5, "minute": 1}
